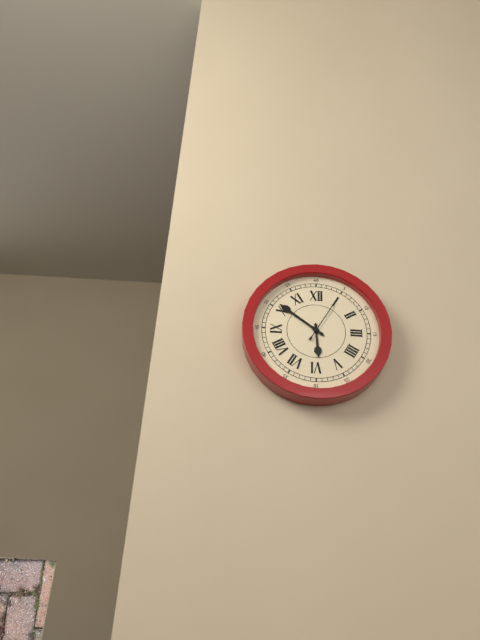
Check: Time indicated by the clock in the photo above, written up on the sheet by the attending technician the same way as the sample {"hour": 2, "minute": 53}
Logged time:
{"hour": 5, "minute": 51}
